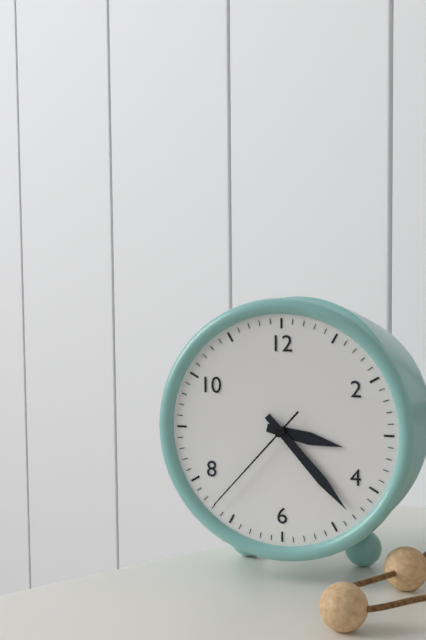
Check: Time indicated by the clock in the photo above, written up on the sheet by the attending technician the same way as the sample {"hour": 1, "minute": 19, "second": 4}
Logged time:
{"hour": 3, "minute": 23, "second": 37}
